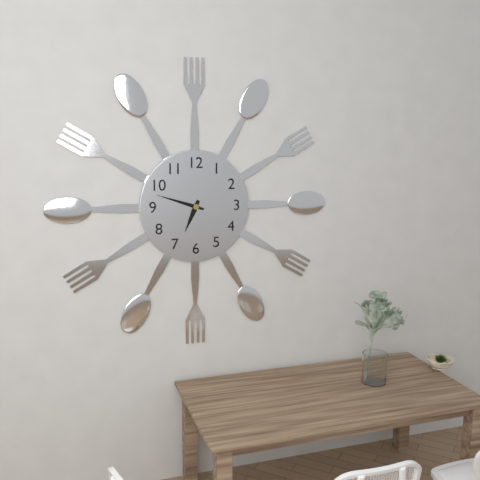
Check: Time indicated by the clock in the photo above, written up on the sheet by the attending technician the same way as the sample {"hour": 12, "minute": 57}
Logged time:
{"hour": 6, "minute": 48}
